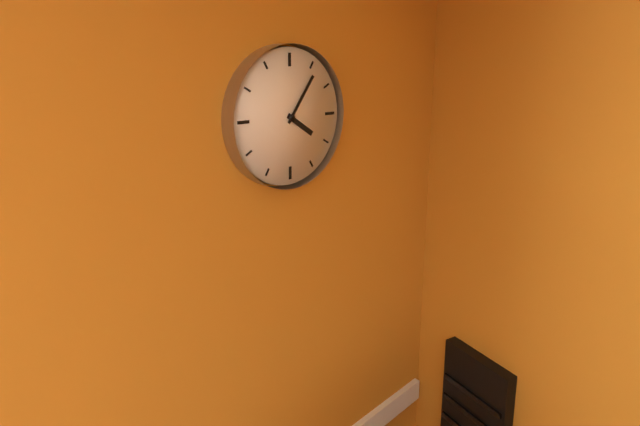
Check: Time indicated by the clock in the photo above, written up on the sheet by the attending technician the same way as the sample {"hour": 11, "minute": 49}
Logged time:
{"hour": 4, "minute": 6}
